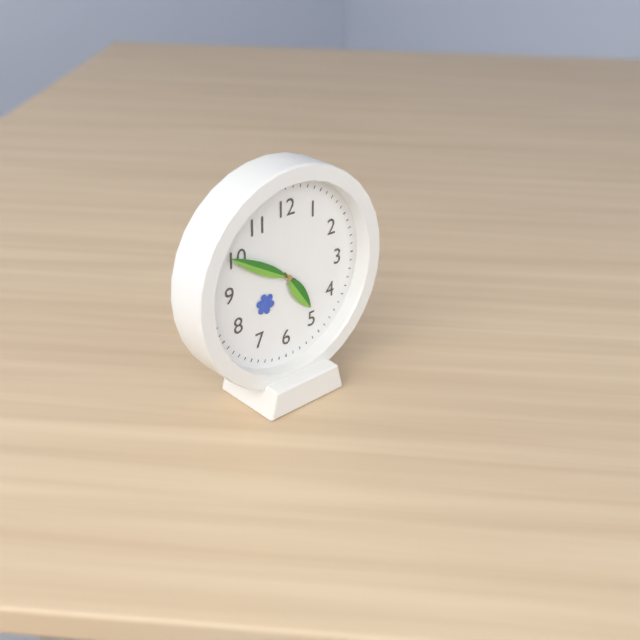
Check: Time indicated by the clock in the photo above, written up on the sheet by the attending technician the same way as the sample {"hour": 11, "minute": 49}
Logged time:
{"hour": 4, "minute": 50}
